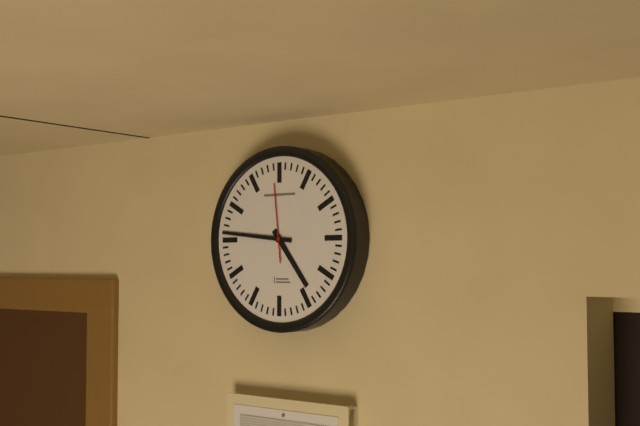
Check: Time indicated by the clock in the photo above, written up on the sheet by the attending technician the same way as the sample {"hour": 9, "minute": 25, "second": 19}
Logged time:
{"hour": 4, "minute": 46, "second": 59}
